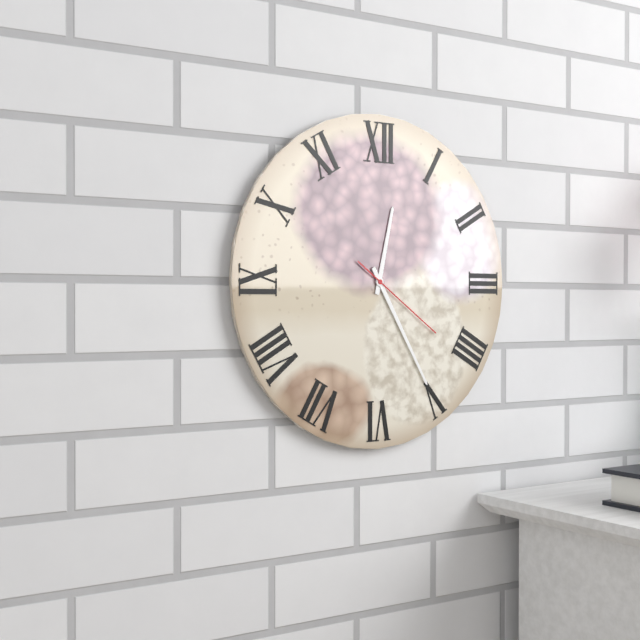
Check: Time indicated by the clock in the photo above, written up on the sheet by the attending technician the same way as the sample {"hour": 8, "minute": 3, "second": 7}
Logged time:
{"hour": 12, "minute": 25, "second": 21}
